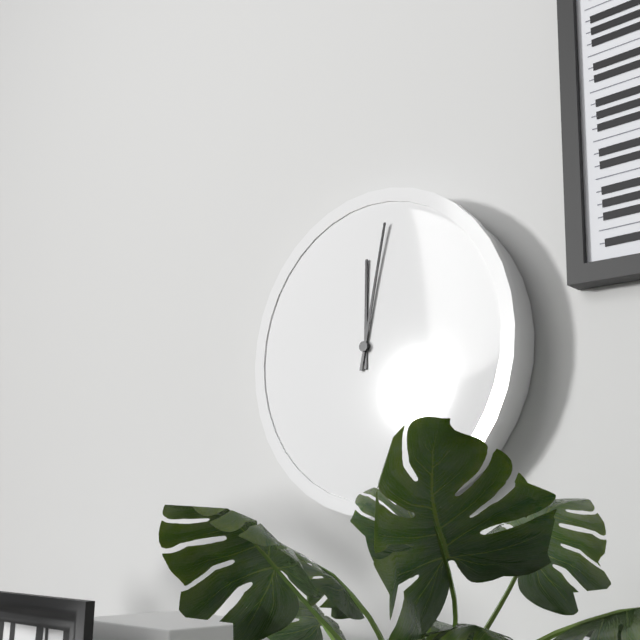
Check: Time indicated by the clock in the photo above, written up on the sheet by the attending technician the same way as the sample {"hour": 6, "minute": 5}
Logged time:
{"hour": 12, "minute": 2}
